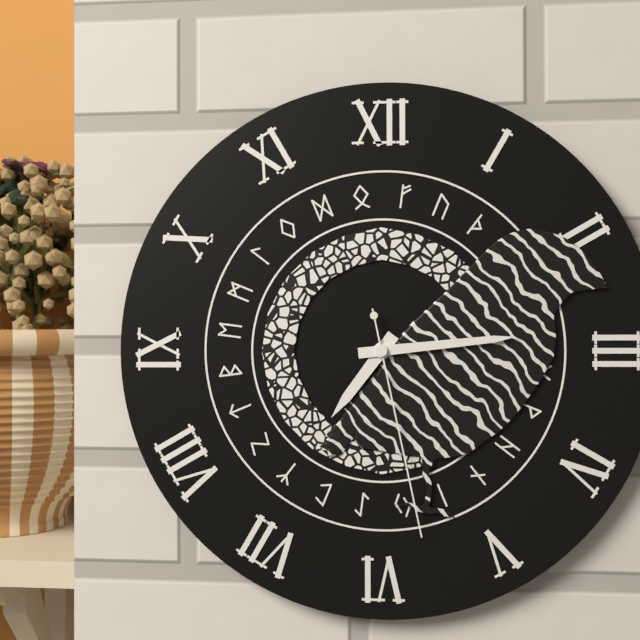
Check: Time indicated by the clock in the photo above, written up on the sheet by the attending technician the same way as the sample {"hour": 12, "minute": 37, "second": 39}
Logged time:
{"hour": 7, "minute": 14, "second": 28}
